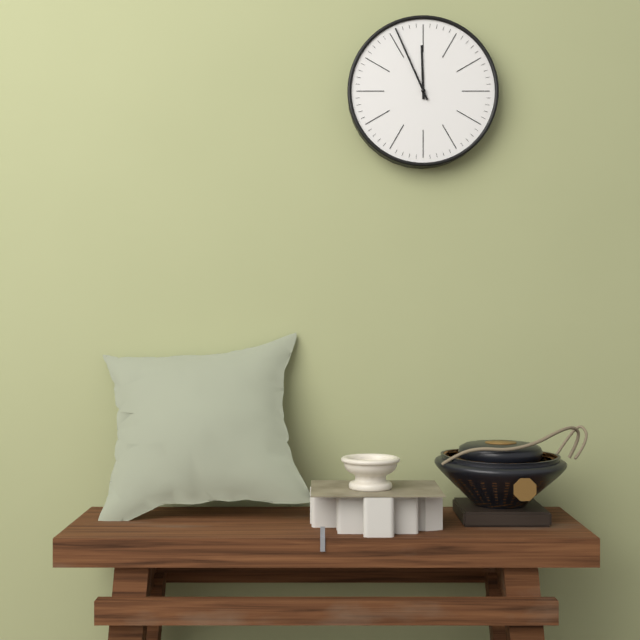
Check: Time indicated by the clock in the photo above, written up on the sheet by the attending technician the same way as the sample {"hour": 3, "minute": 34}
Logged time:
{"hour": 11, "minute": 56}
